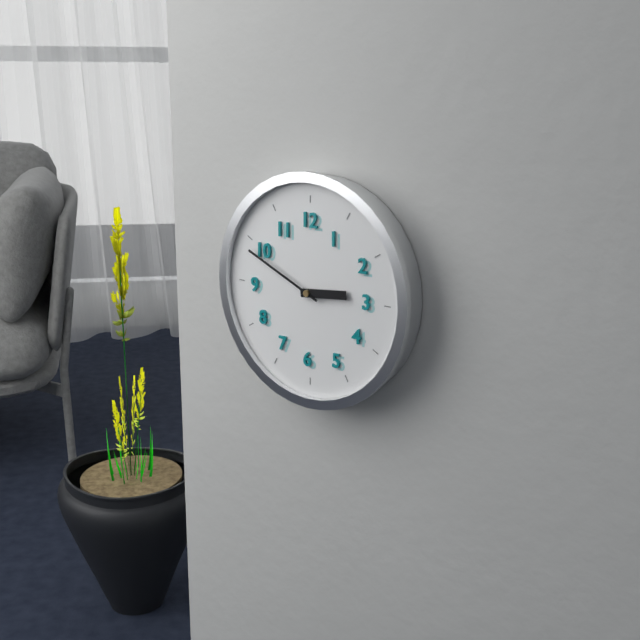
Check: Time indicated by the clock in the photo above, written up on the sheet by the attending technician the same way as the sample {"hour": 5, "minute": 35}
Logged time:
{"hour": 2, "minute": 49}
